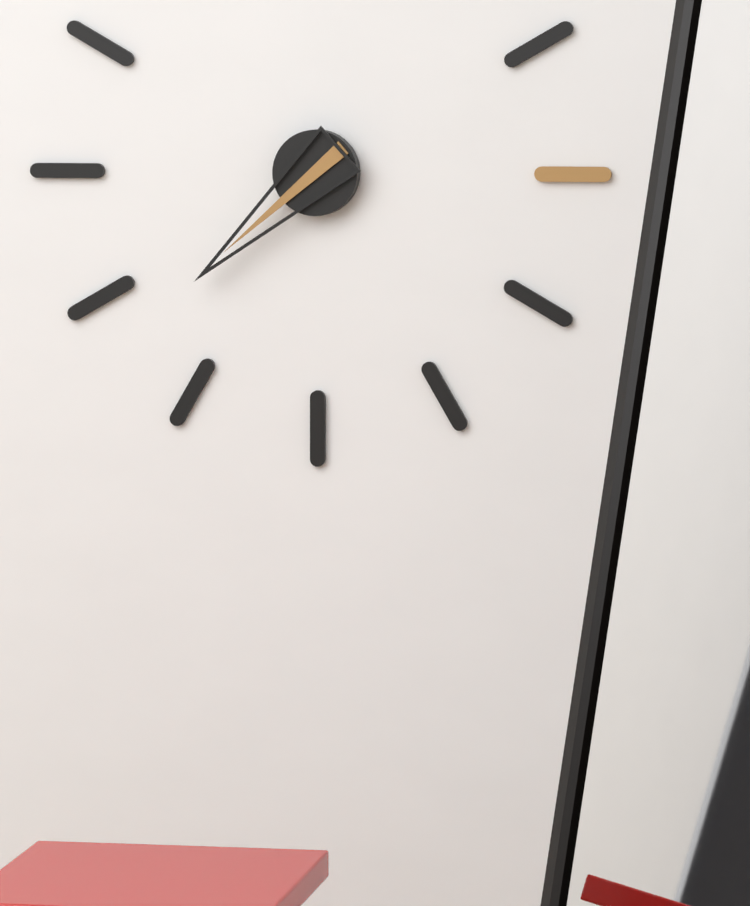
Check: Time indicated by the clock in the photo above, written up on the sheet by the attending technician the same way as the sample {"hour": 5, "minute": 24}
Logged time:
{"hour": 7, "minute": 38}
